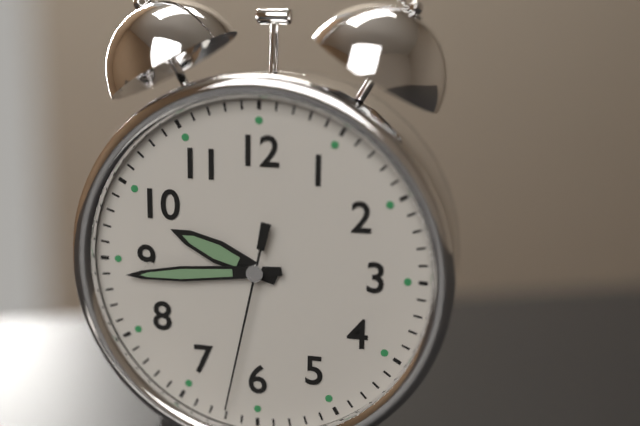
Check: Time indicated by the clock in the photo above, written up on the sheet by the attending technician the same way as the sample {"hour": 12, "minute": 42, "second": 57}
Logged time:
{"hour": 9, "minute": 44, "second": 32}
